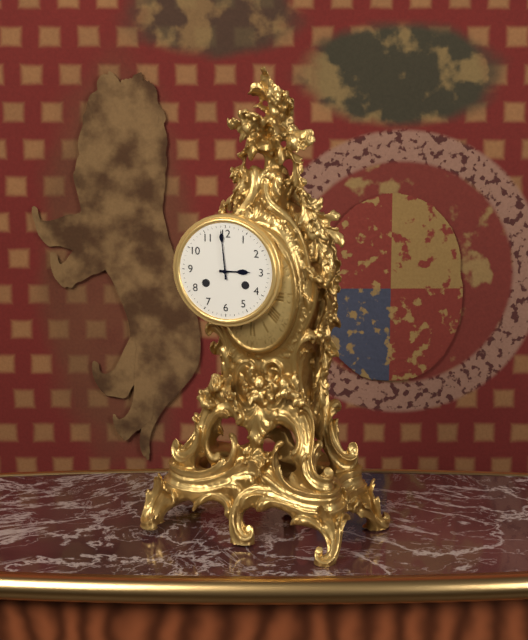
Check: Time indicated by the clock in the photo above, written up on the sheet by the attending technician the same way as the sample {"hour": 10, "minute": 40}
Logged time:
{"hour": 2, "minute": 59}
